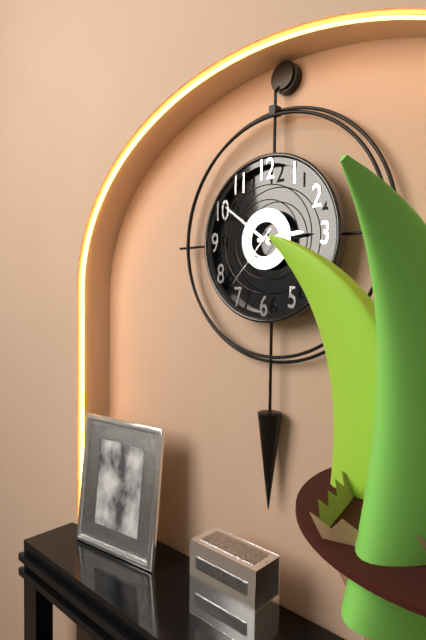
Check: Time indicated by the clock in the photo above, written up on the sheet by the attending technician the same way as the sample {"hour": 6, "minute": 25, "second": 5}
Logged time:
{"hour": 2, "minute": 51, "second": 37}
